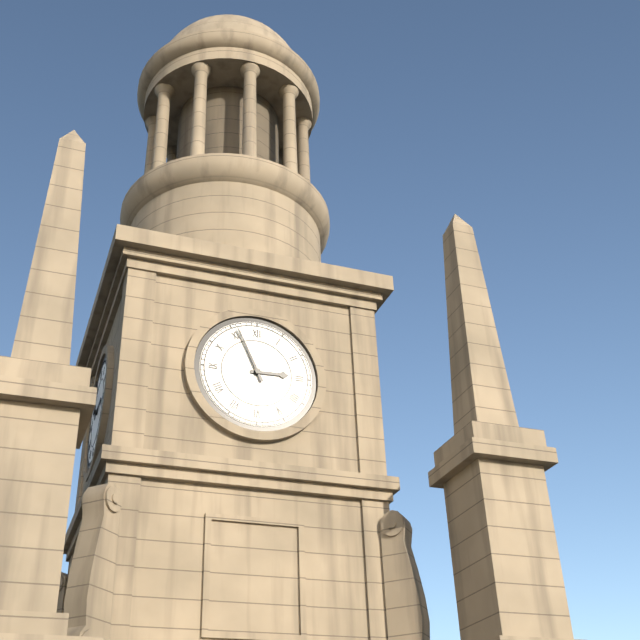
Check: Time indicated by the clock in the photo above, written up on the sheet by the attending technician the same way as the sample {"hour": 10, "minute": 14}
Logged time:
{"hour": 2, "minute": 56}
